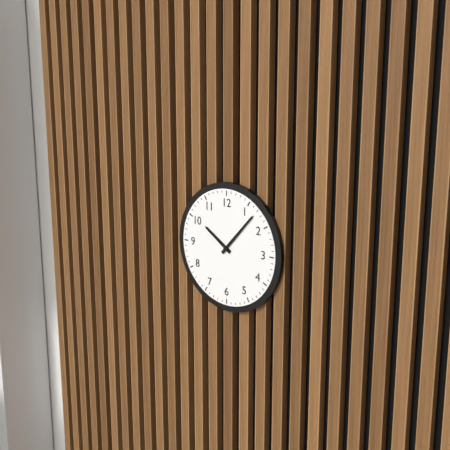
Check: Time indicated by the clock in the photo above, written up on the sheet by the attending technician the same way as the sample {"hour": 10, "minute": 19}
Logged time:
{"hour": 10, "minute": 7}
